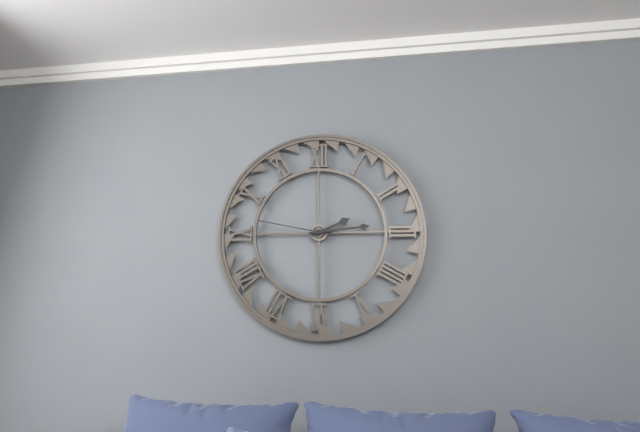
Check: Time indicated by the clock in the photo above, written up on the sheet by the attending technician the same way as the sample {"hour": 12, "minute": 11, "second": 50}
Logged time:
{"hour": 2, "minute": 14, "second": 47}
